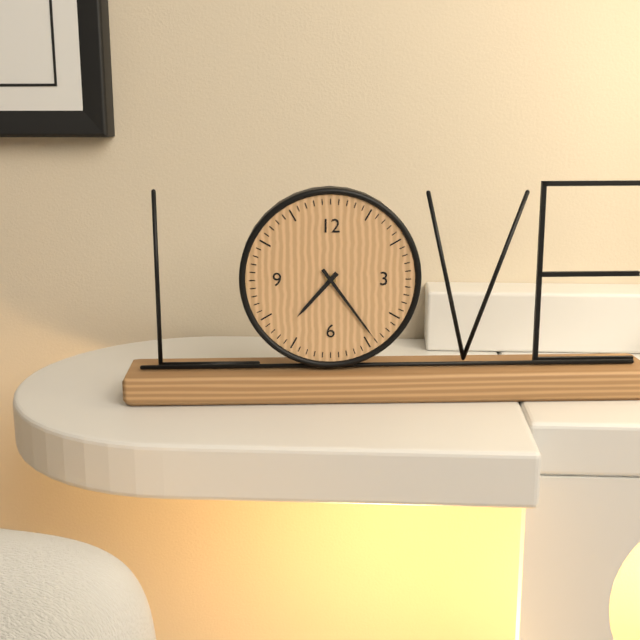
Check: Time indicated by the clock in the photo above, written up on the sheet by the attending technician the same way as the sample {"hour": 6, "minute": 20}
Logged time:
{"hour": 7, "minute": 24}
